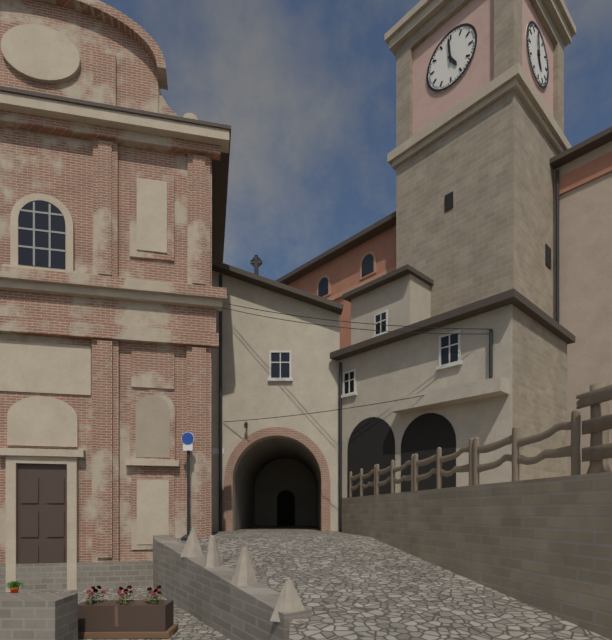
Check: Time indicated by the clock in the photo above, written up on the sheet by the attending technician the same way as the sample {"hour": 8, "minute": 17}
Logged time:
{"hour": 4, "minute": 59}
